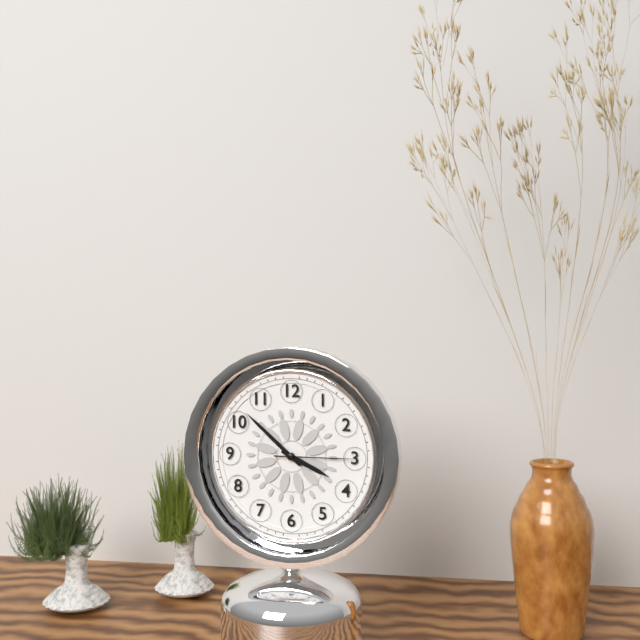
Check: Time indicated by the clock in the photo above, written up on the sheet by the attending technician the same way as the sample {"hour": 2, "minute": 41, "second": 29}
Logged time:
{"hour": 3, "minute": 52, "second": 15}
